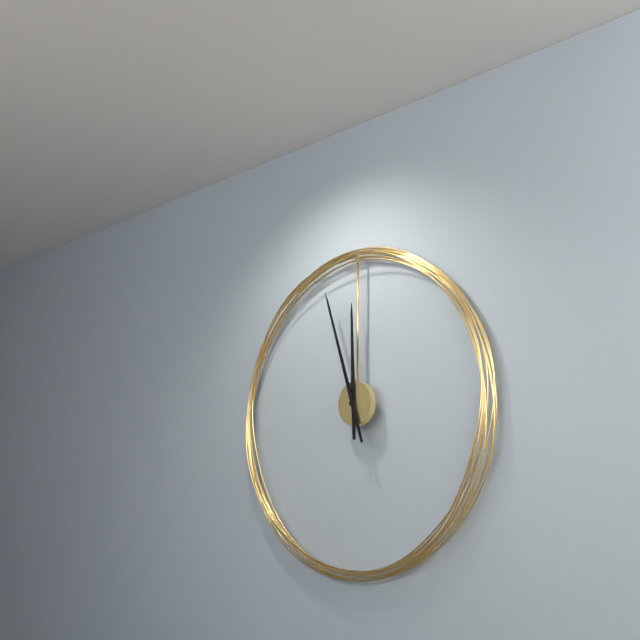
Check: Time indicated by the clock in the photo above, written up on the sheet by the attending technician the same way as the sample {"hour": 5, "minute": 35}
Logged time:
{"hour": 11, "minute": 57}
